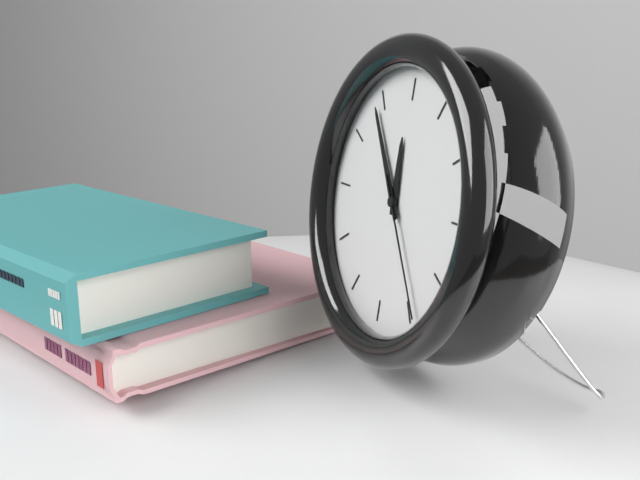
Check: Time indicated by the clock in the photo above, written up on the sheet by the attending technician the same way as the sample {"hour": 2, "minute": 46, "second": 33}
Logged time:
{"hour": 11, "minute": 54, "second": 24}
